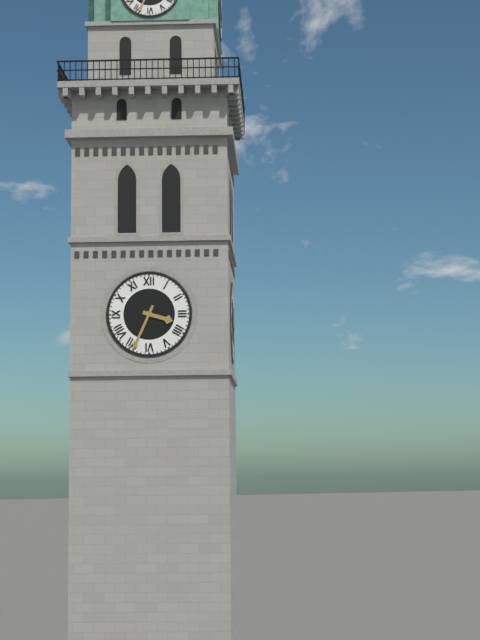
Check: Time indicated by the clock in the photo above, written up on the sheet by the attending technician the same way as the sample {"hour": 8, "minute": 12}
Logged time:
{"hour": 3, "minute": 34}
